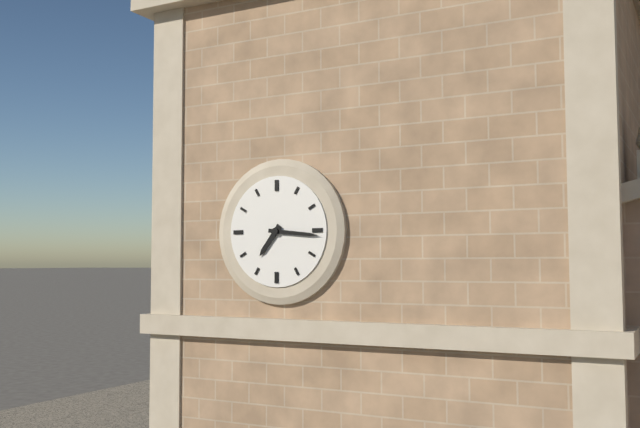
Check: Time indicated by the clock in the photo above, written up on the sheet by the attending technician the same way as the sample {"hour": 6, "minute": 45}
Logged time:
{"hour": 7, "minute": 16}
